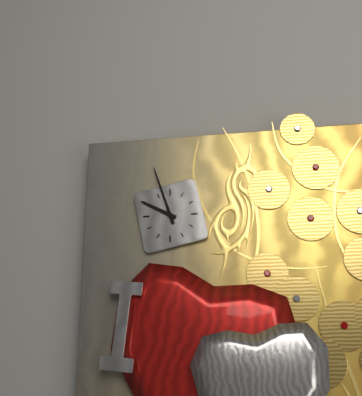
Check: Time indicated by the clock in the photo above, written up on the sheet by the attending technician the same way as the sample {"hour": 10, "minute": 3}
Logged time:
{"hour": 9, "minute": 57}
